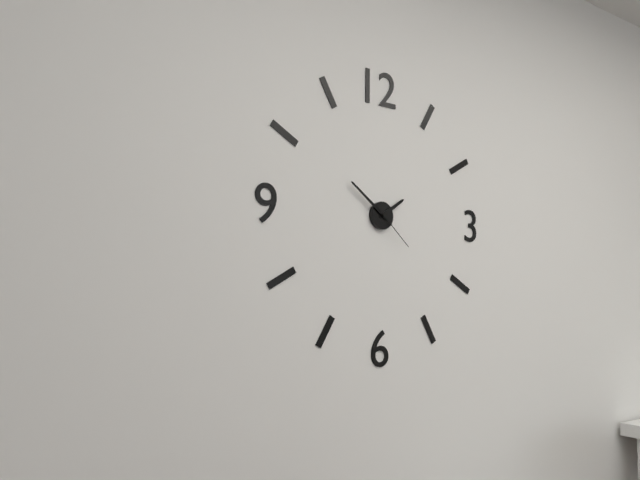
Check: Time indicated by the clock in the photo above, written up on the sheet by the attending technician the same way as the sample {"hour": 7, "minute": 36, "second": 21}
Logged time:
{"hour": 1, "minute": 51, "second": 22}
